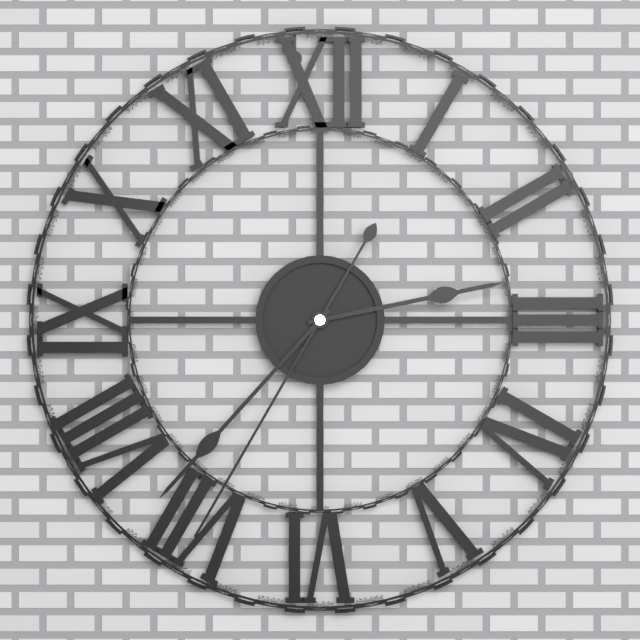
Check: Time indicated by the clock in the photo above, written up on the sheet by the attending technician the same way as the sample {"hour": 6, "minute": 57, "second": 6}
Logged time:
{"hour": 2, "minute": 37, "second": 35}
